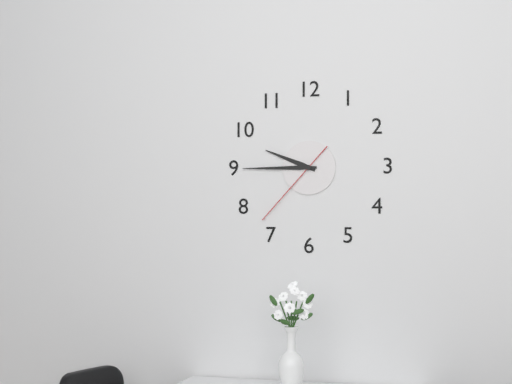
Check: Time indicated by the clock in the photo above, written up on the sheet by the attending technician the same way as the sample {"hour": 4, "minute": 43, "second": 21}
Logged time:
{"hour": 9, "minute": 45, "second": 37}
